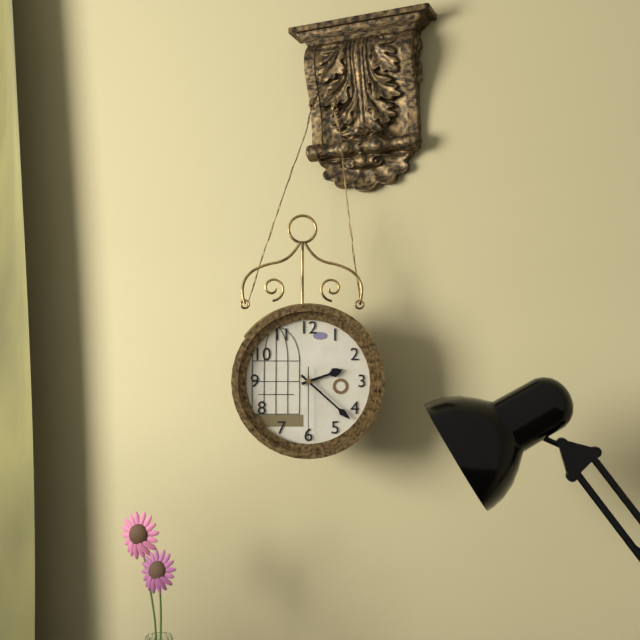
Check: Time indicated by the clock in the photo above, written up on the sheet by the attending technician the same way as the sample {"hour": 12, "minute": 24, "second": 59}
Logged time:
{"hour": 2, "minute": 22, "second": 30}
